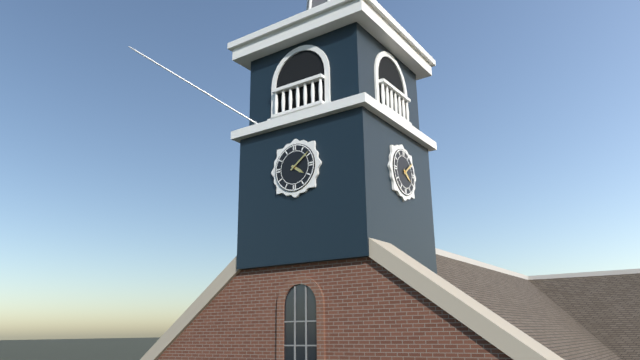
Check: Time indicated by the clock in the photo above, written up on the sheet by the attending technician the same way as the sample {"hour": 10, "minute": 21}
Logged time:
{"hour": 4, "minute": 9}
